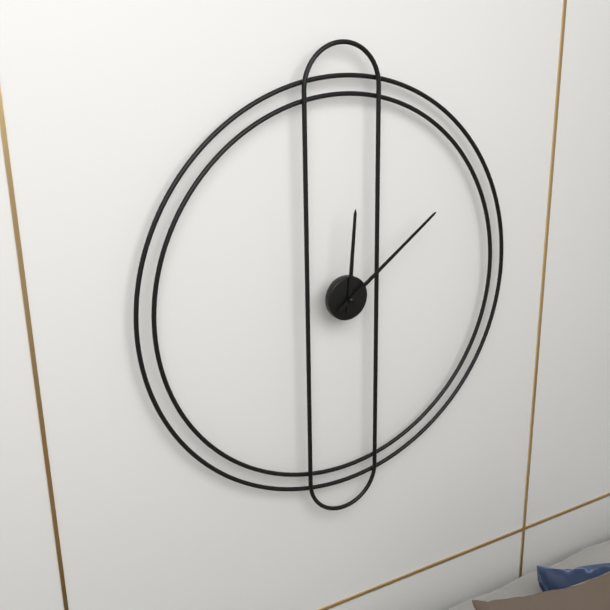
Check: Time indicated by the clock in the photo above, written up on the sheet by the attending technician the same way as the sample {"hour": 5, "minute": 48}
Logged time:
{"hour": 12, "minute": 9}
